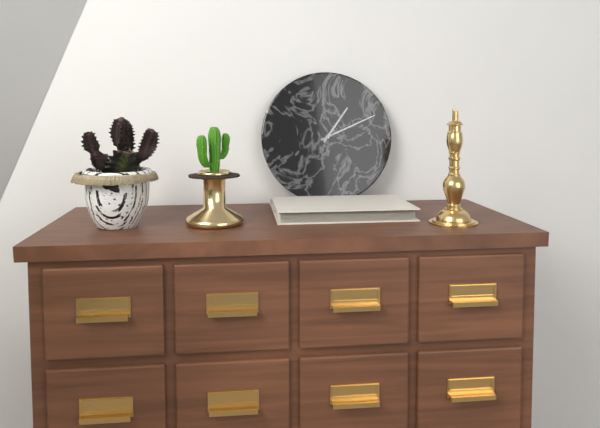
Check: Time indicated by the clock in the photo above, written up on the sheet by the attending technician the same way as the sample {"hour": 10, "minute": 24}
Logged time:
{"hour": 1, "minute": 11}
